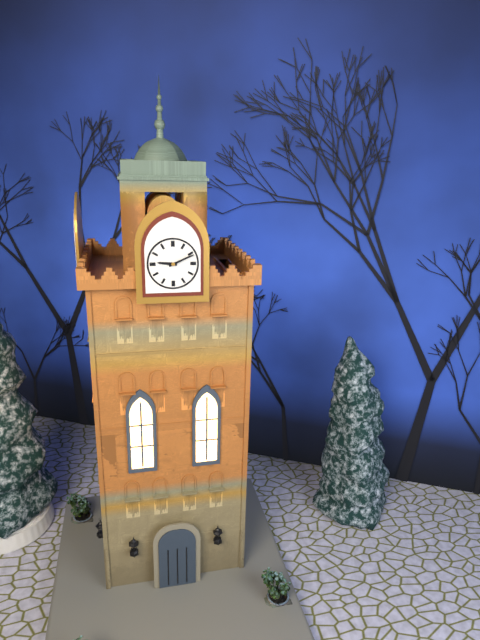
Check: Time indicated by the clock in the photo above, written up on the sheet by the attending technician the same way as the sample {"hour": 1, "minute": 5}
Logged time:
{"hour": 9, "minute": 11}
